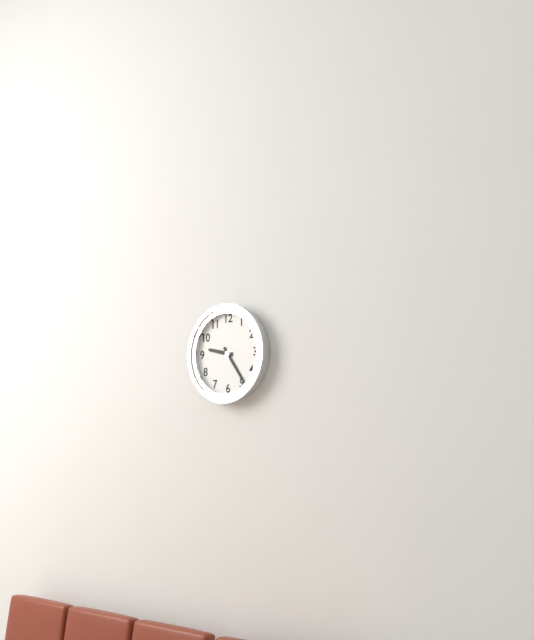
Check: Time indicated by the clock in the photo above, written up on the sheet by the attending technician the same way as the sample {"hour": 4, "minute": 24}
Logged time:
{"hour": 9, "minute": 24}
